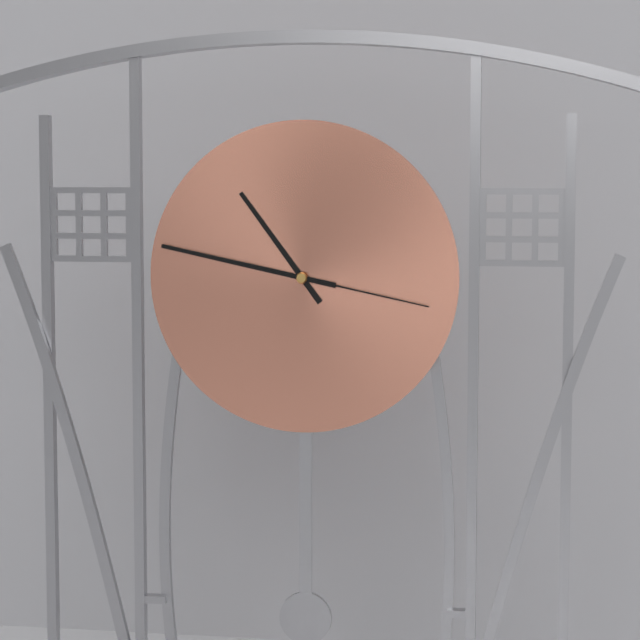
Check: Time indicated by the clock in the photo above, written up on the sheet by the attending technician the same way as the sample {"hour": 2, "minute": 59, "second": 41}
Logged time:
{"hour": 10, "minute": 47, "second": 17}
